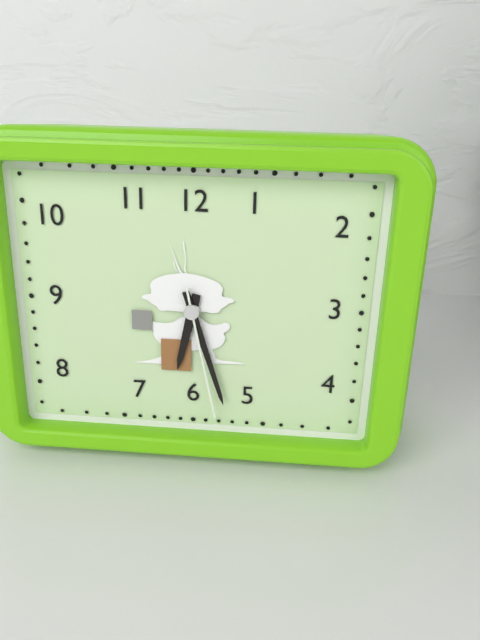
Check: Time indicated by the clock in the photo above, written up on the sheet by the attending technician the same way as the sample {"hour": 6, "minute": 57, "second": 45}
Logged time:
{"hour": 6, "minute": 27, "second": 28}
